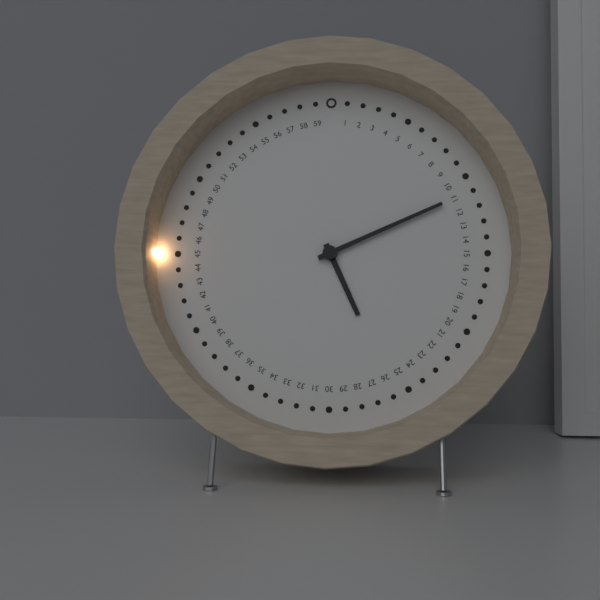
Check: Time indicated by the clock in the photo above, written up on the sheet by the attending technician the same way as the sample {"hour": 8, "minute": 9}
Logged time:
{"hour": 5, "minute": 11}
